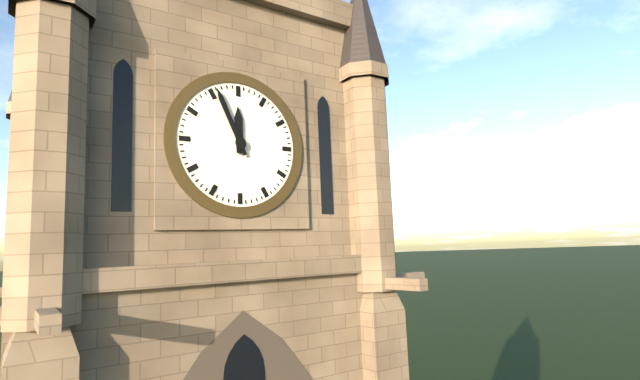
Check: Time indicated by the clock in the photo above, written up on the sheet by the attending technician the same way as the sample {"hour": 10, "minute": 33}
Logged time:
{"hour": 11, "minute": 56}
